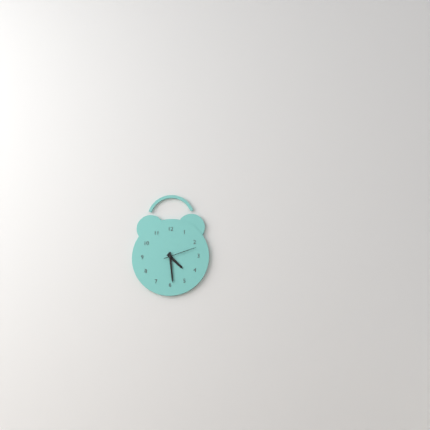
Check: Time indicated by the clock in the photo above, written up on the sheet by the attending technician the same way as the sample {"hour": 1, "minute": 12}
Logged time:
{"hour": 4, "minute": 29}
